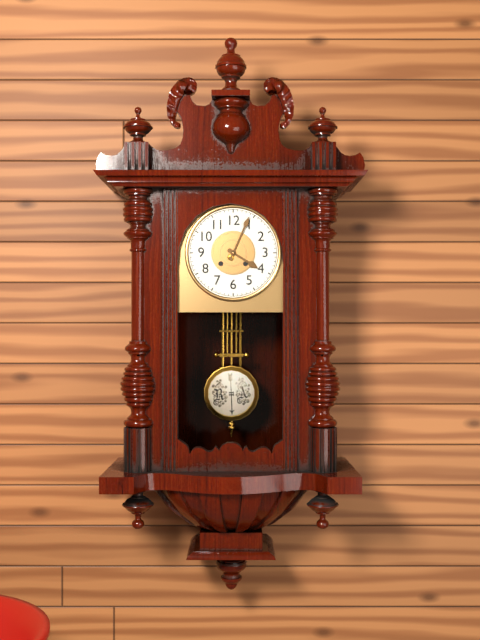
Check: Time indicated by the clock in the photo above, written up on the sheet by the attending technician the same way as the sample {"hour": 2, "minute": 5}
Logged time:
{"hour": 4, "minute": 4}
